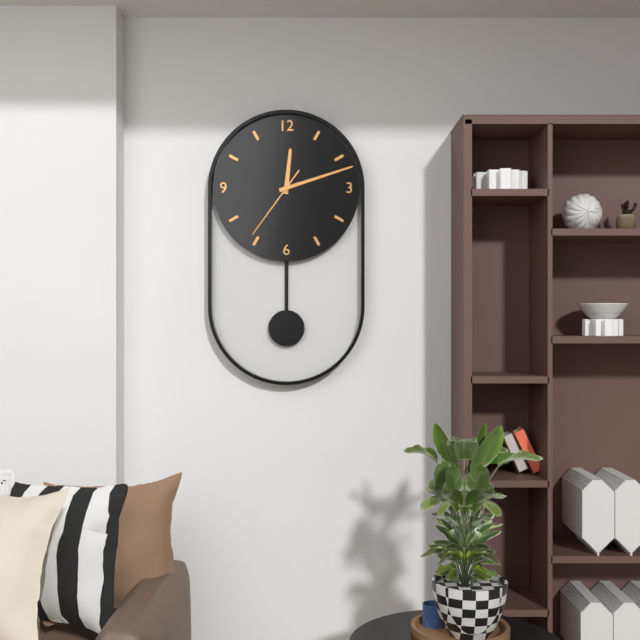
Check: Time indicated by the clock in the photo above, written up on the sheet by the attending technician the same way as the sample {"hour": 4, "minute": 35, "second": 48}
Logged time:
{"hour": 12, "minute": 12, "second": 36}
